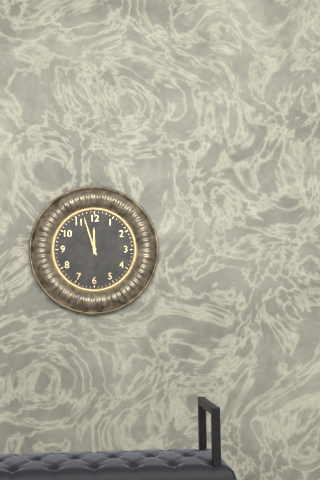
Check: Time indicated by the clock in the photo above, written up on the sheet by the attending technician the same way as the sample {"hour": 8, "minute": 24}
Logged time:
{"hour": 11, "minute": 57}
